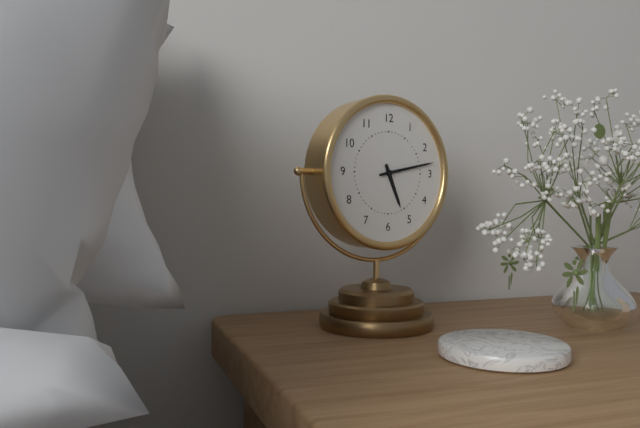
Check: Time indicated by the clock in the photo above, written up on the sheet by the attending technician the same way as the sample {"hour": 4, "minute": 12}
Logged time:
{"hour": 5, "minute": 13}
